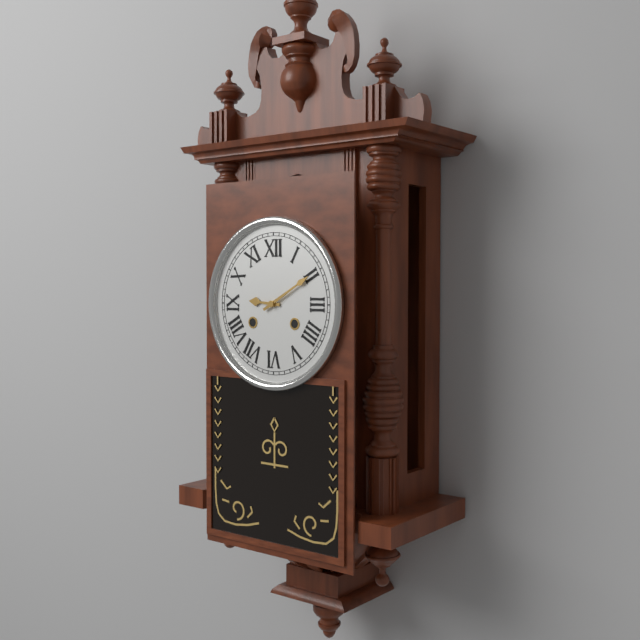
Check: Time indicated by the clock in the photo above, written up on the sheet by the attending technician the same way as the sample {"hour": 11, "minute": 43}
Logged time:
{"hour": 9, "minute": 10}
